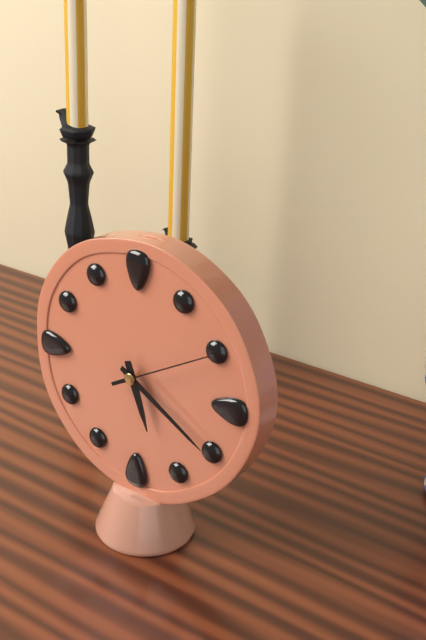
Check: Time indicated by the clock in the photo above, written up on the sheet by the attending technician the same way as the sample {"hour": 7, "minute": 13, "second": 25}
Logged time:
{"hour": 5, "minute": 20, "second": 10}
